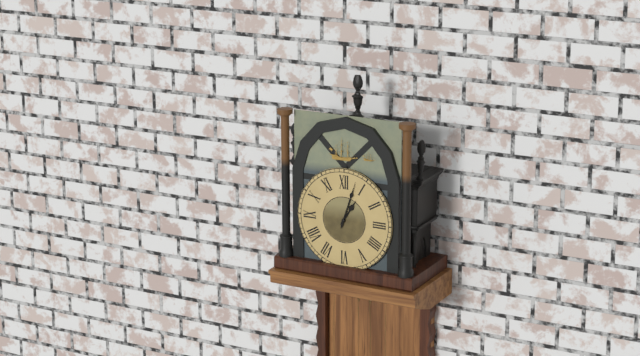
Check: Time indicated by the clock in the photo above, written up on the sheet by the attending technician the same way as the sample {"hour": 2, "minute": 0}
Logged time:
{"hour": 1, "minute": 3}
